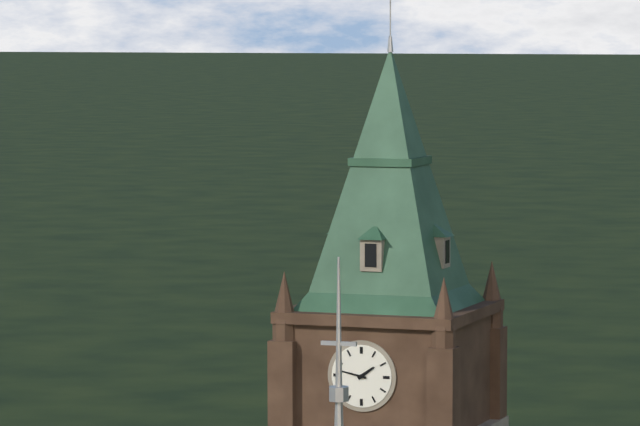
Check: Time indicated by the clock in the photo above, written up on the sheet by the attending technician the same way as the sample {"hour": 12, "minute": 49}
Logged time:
{"hour": 1, "minute": 47}
